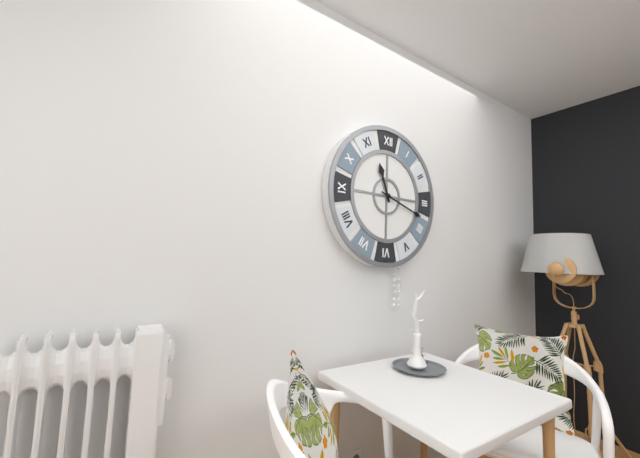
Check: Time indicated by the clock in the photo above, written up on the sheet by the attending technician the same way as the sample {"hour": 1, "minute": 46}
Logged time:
{"hour": 11, "minute": 18}
